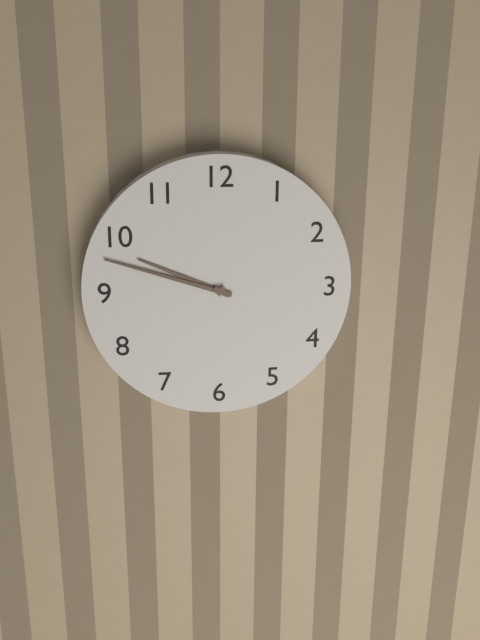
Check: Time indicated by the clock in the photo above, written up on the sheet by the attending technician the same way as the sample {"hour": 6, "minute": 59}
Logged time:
{"hour": 9, "minute": 48}
